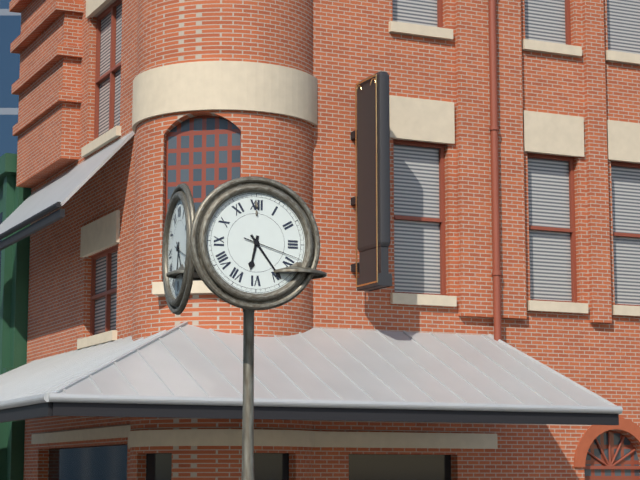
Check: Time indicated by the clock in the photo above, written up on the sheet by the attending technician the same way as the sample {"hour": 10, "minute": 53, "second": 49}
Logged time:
{"hour": 6, "minute": 24, "second": 18}
